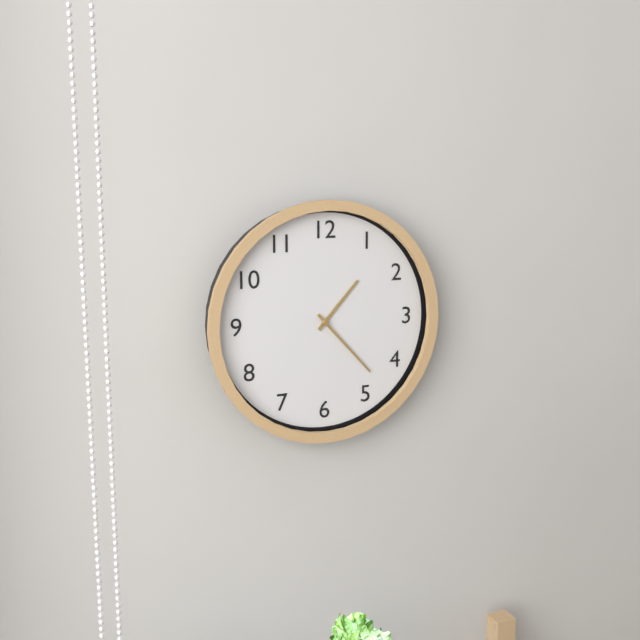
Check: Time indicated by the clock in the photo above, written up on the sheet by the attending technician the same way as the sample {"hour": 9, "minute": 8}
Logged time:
{"hour": 1, "minute": 23}
